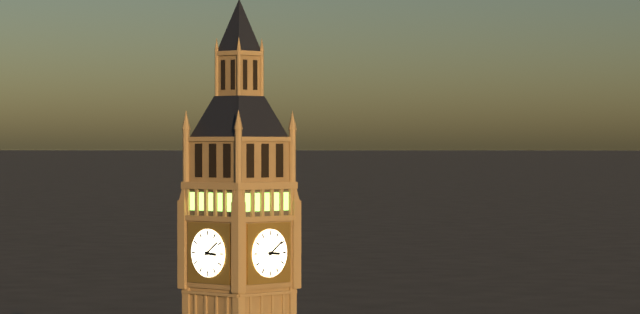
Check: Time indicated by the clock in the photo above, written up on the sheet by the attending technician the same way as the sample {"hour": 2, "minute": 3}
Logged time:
{"hour": 3, "minute": 9}
